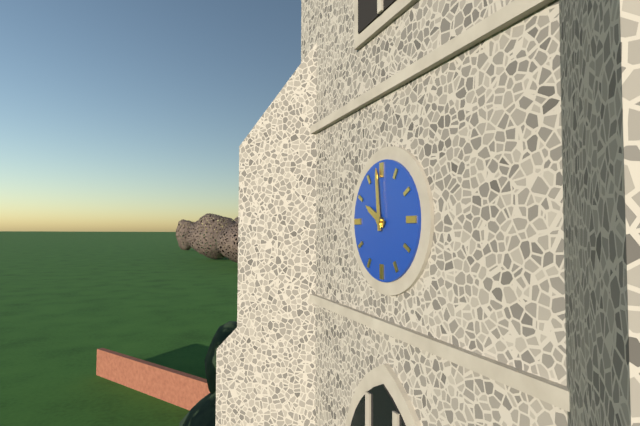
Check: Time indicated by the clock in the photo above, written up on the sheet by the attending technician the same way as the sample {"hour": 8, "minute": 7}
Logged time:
{"hour": 9, "minute": 59}
